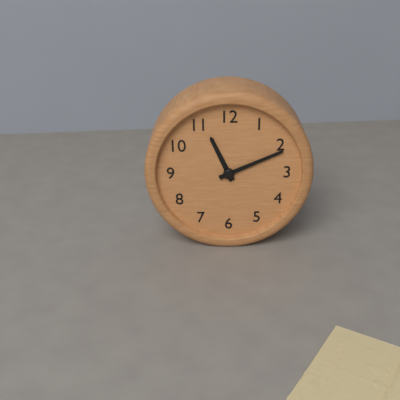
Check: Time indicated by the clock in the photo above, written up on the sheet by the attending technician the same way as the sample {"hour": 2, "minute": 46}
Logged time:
{"hour": 11, "minute": 11}
